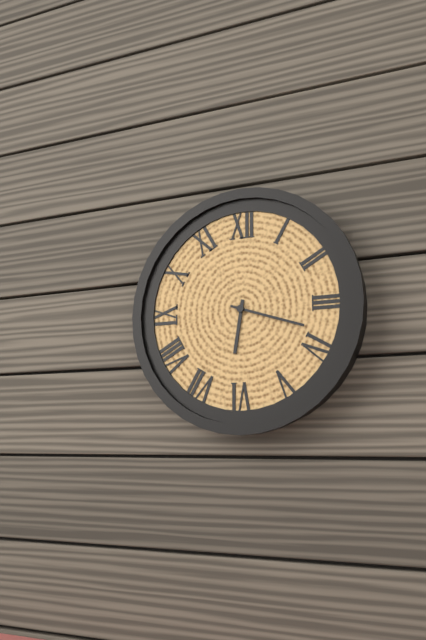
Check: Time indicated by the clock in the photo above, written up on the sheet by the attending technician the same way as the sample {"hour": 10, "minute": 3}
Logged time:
{"hour": 6, "minute": 18}
